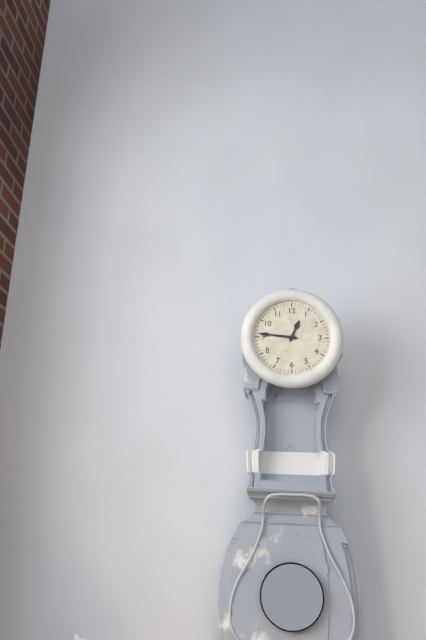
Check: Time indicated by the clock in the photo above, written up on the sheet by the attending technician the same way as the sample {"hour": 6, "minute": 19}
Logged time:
{"hour": 12, "minute": 46}
